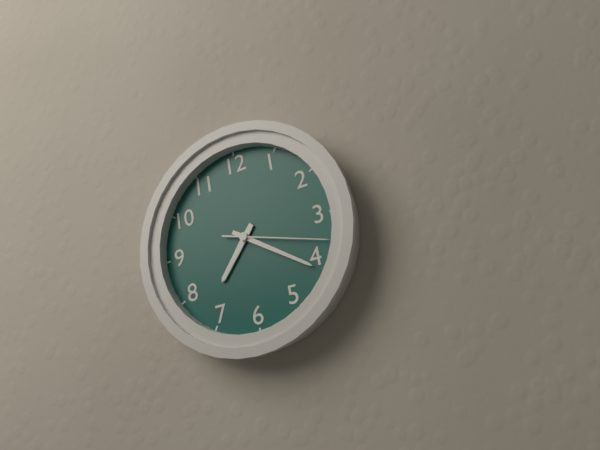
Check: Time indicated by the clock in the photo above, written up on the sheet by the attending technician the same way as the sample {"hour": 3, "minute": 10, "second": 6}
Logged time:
{"hour": 7, "minute": 21, "second": 18}
